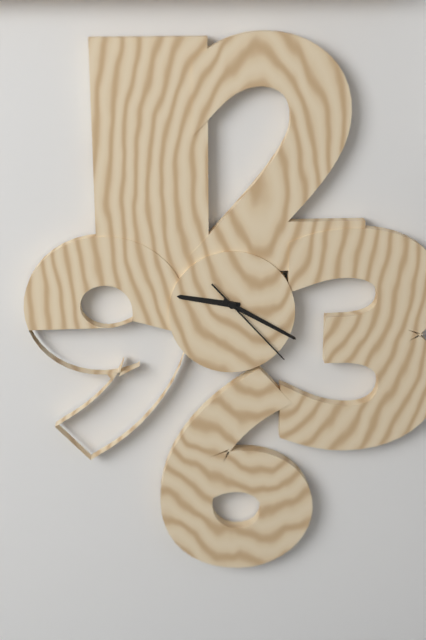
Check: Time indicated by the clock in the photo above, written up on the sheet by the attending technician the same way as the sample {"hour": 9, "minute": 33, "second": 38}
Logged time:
{"hour": 9, "minute": 20, "second": 23}
